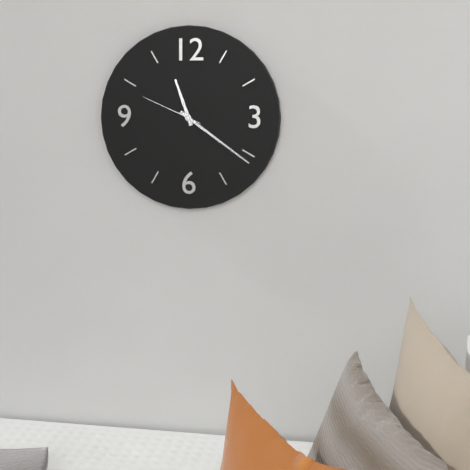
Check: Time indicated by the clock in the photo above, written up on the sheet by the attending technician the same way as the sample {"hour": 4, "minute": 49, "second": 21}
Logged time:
{"hour": 11, "minute": 21, "second": 49}
